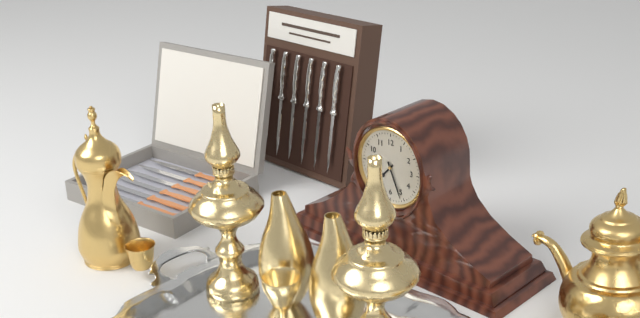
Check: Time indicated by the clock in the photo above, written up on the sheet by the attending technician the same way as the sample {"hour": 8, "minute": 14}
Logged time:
{"hour": 7, "minute": 26}
